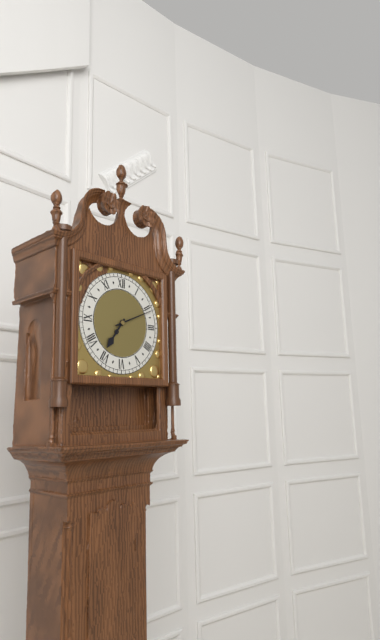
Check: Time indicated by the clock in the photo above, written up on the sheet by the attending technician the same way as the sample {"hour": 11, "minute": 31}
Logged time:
{"hour": 7, "minute": 11}
